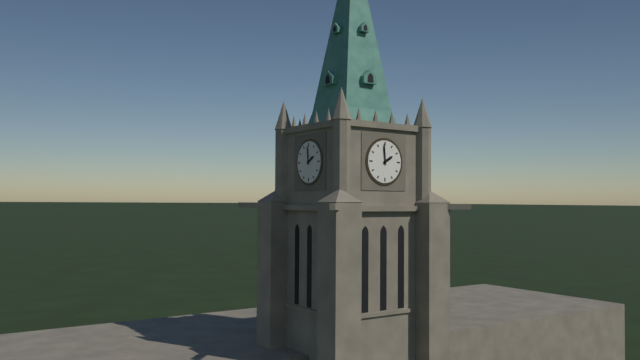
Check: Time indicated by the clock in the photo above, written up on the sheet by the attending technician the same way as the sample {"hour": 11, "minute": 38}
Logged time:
{"hour": 1, "minute": 59}
